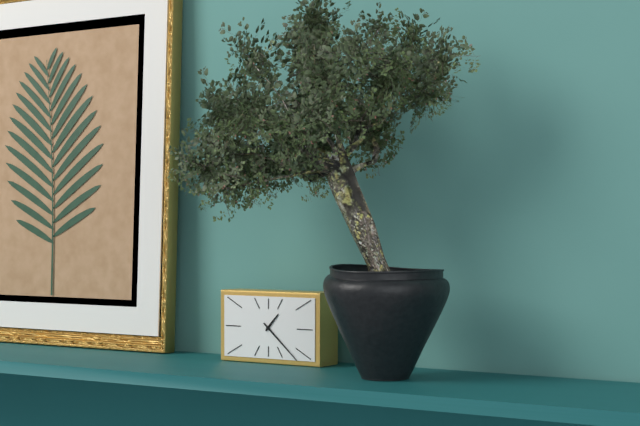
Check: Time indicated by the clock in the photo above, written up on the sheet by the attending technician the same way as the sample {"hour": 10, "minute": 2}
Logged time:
{"hour": 1, "minute": 22}
